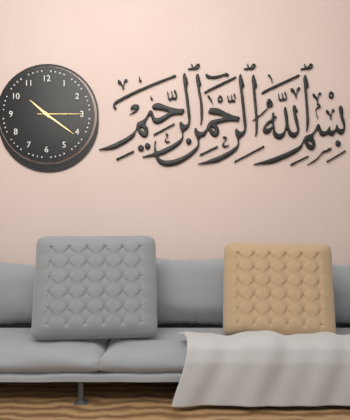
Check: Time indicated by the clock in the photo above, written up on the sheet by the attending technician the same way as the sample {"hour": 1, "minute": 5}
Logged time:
{"hour": 10, "minute": 21}
